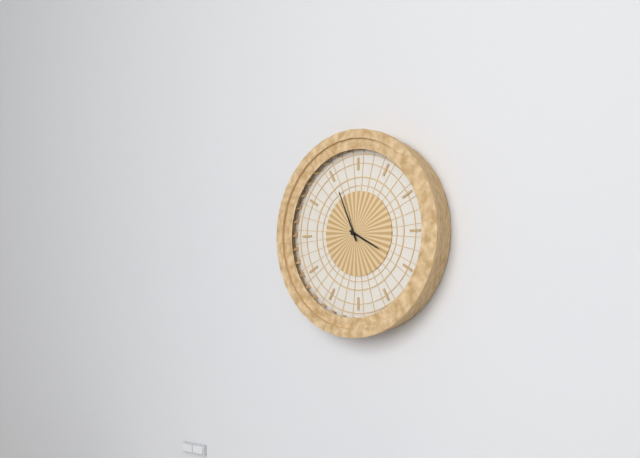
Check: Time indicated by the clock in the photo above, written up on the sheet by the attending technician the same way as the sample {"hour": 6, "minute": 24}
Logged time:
{"hour": 3, "minute": 56}
